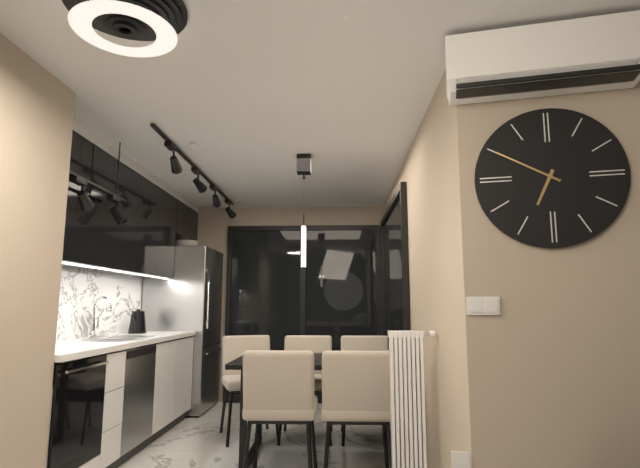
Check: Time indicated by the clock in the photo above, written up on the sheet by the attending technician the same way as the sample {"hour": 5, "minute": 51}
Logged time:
{"hour": 6, "minute": 50}
